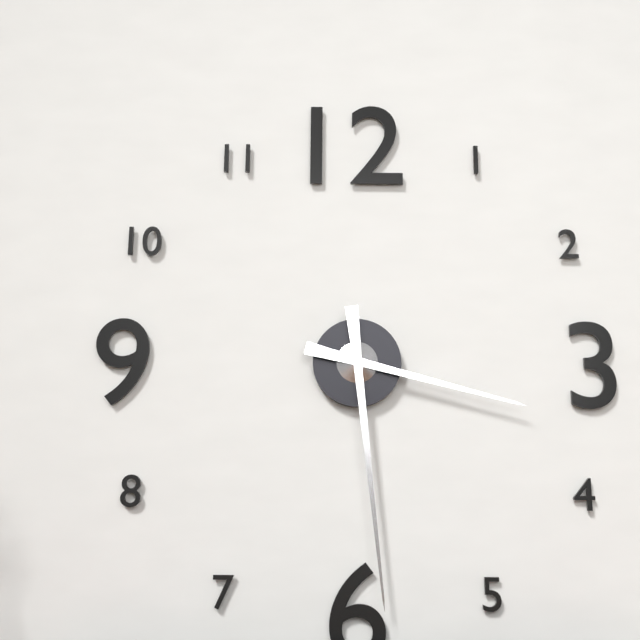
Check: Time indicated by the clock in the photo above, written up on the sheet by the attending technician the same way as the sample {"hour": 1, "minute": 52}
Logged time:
{"hour": 3, "minute": 29}
